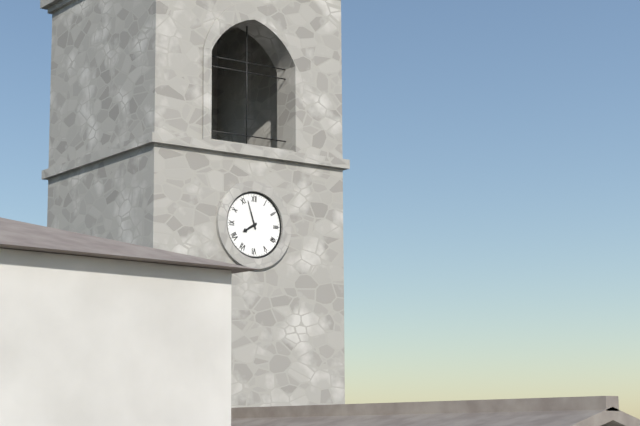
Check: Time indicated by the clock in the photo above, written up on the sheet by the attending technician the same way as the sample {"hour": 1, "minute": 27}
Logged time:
{"hour": 7, "minute": 57}
